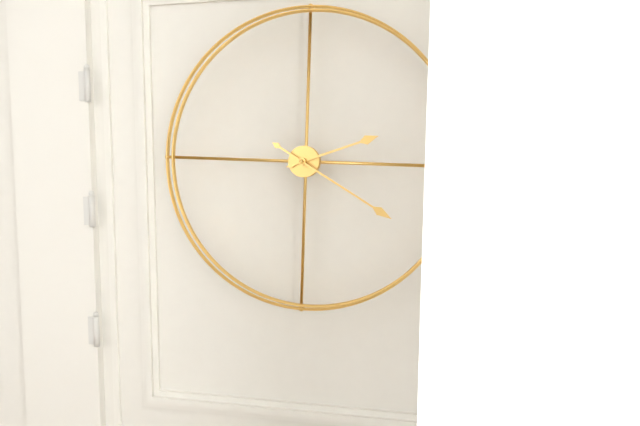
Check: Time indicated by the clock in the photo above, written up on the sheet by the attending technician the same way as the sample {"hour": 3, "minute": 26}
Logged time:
{"hour": 2, "minute": 20}
